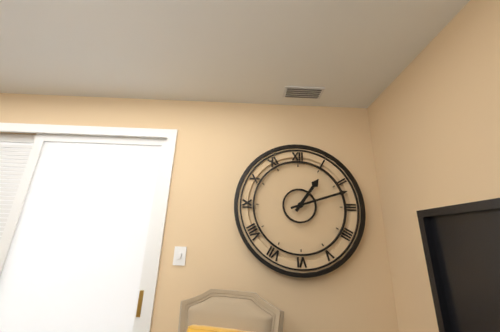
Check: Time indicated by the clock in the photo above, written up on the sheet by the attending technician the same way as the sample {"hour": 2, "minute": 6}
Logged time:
{"hour": 1, "minute": 12}
